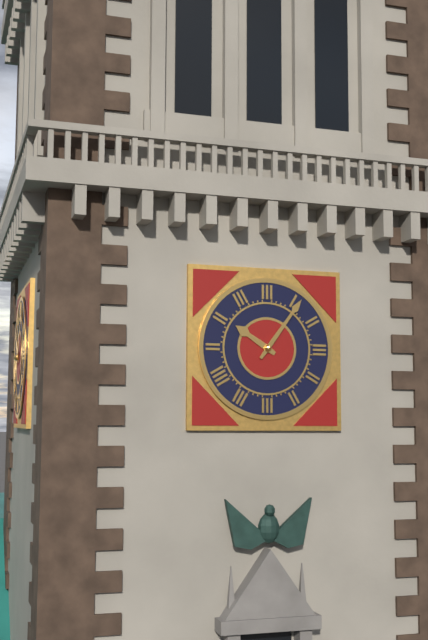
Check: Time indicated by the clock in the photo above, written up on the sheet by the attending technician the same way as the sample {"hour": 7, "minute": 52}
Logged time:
{"hour": 10, "minute": 6}
